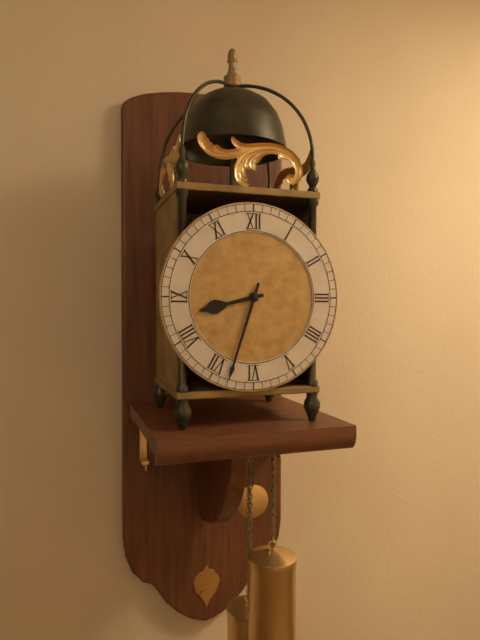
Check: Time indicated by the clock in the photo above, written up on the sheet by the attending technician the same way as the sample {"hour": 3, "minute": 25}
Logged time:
{"hour": 8, "minute": 33}
